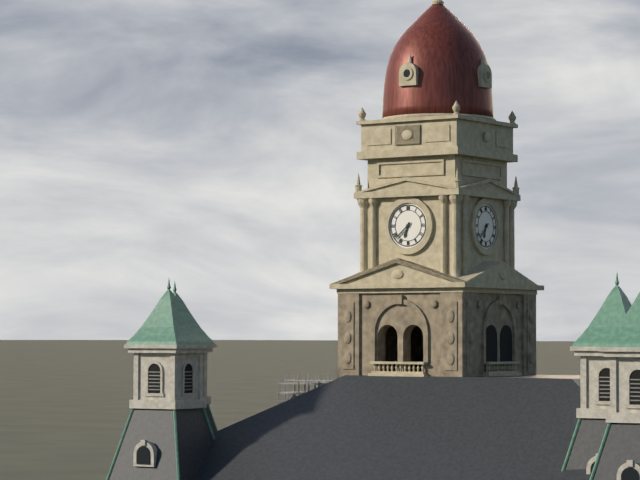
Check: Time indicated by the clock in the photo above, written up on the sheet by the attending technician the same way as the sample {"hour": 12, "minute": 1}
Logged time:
{"hour": 6, "minute": 38}
